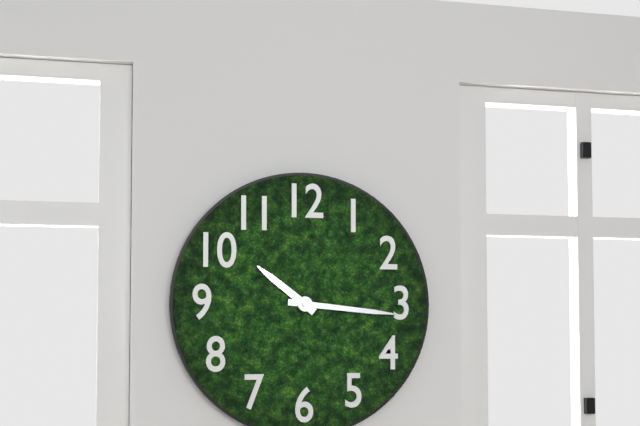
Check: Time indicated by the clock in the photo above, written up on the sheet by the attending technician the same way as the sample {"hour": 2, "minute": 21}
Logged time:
{"hour": 10, "minute": 16}
